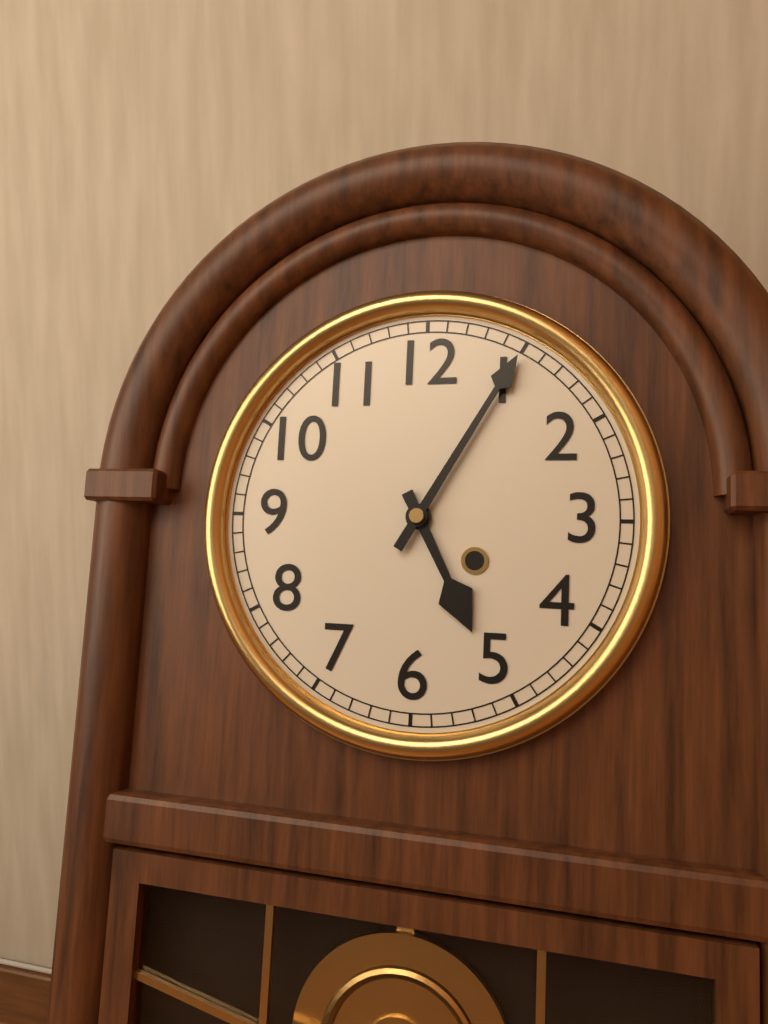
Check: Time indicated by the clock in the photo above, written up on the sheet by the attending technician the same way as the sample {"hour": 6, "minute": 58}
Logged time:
{"hour": 5, "minute": 5}
